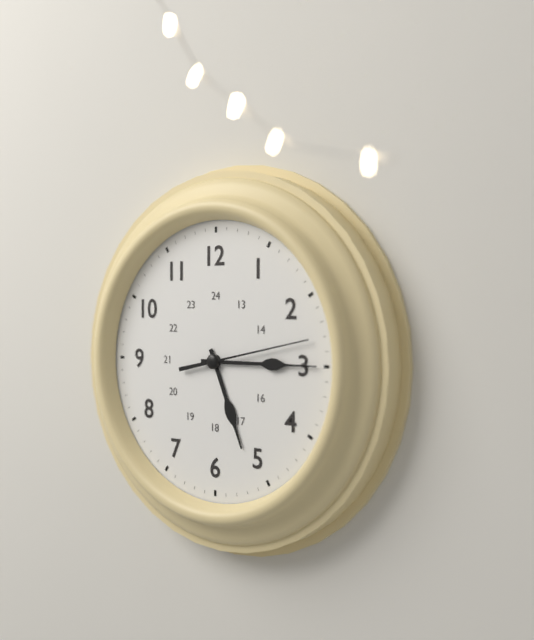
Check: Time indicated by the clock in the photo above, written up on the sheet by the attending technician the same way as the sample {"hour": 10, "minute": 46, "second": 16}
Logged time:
{"hour": 5, "minute": 15, "second": 13}
